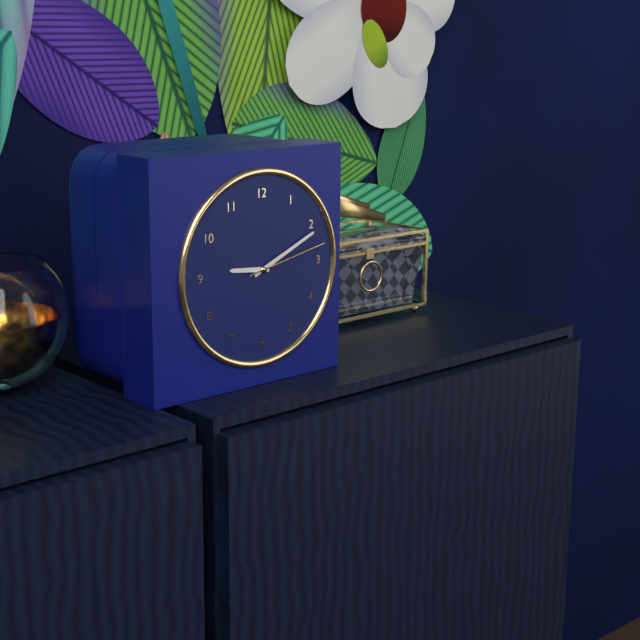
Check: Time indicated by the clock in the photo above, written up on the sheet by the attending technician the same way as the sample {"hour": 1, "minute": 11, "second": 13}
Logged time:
{"hour": 9, "minute": 11, "second": 13}
